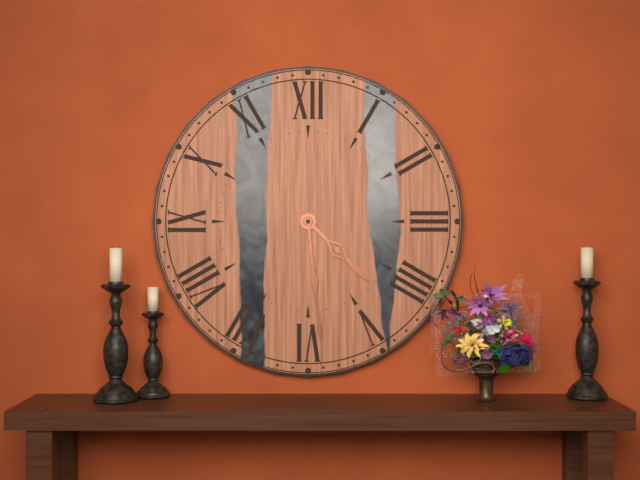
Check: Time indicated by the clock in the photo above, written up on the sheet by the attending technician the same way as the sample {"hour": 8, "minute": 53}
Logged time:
{"hour": 4, "minute": 29}
